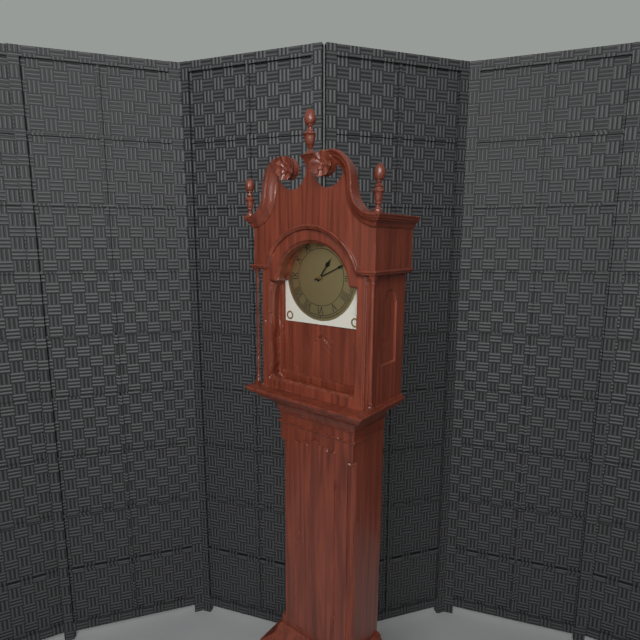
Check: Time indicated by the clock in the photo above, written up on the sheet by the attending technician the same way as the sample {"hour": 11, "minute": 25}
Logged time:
{"hour": 1, "minute": 11}
